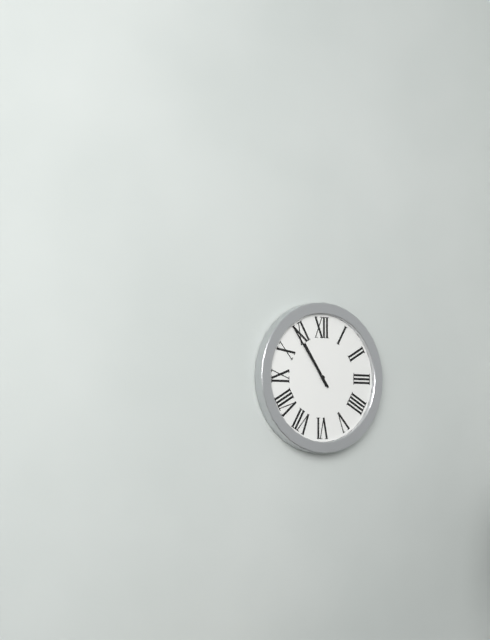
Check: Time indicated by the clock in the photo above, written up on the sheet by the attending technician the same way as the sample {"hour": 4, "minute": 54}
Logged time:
{"hour": 10, "minute": 54}
